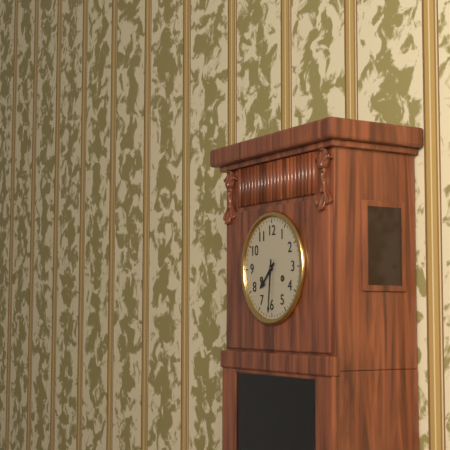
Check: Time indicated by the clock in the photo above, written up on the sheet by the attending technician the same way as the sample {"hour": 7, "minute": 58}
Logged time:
{"hour": 7, "minute": 31}
